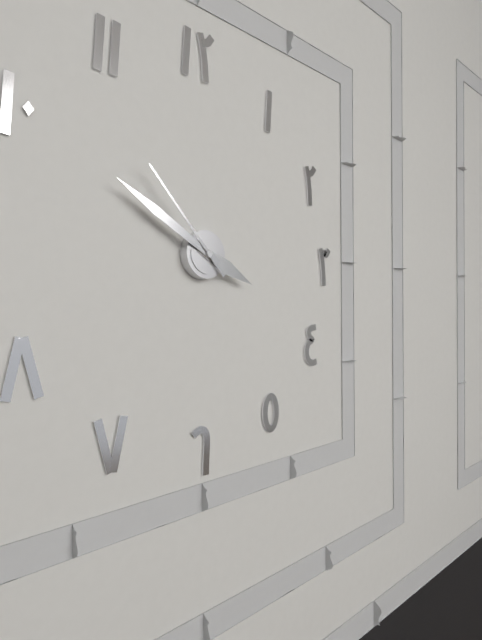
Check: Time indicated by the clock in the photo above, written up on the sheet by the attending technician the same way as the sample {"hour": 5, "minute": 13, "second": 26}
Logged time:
{"hour": 3, "minute": 50, "second": 53}
